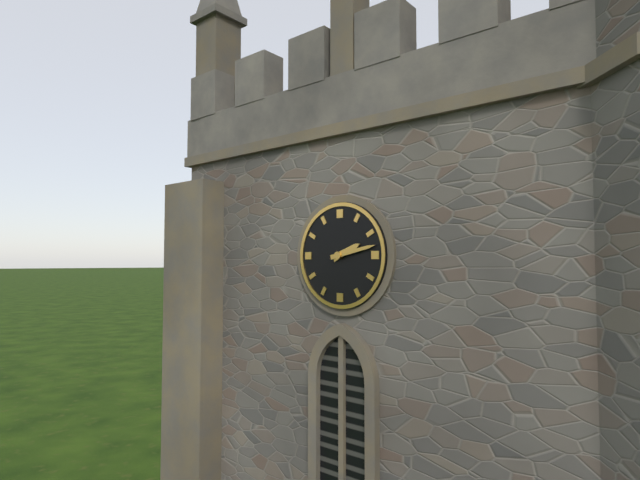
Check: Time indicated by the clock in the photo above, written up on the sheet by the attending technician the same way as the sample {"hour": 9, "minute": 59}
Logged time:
{"hour": 2, "minute": 13}
